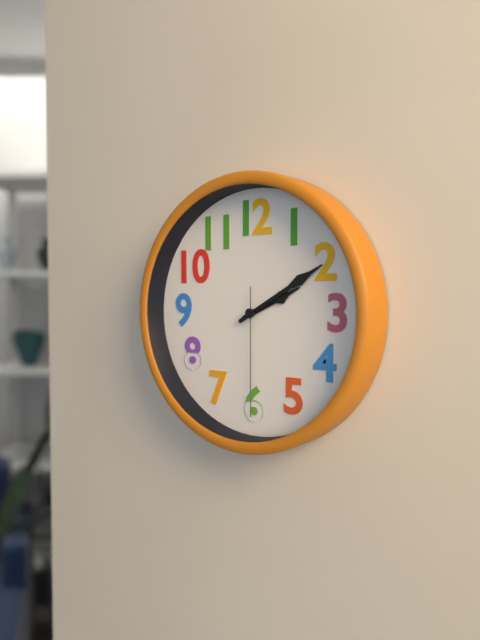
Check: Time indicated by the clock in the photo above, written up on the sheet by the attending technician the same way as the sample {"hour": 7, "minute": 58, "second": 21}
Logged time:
{"hour": 2, "minute": 10, "second": 30}
